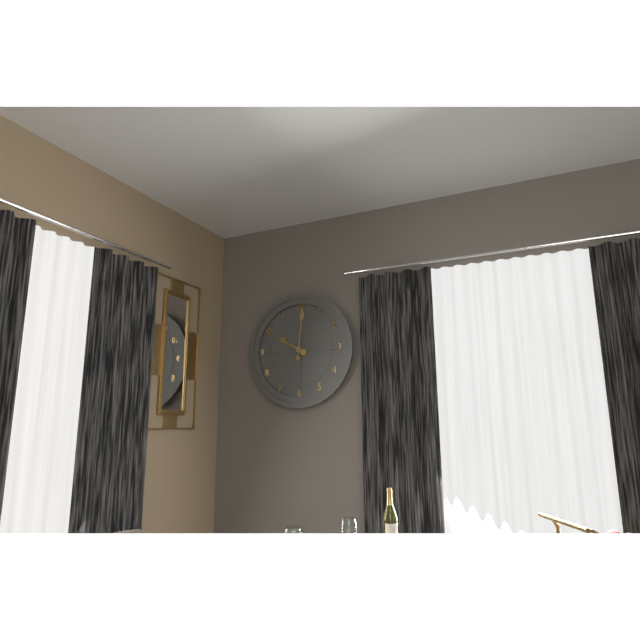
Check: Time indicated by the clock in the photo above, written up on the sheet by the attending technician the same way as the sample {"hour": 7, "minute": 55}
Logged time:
{"hour": 10, "minute": 1}
